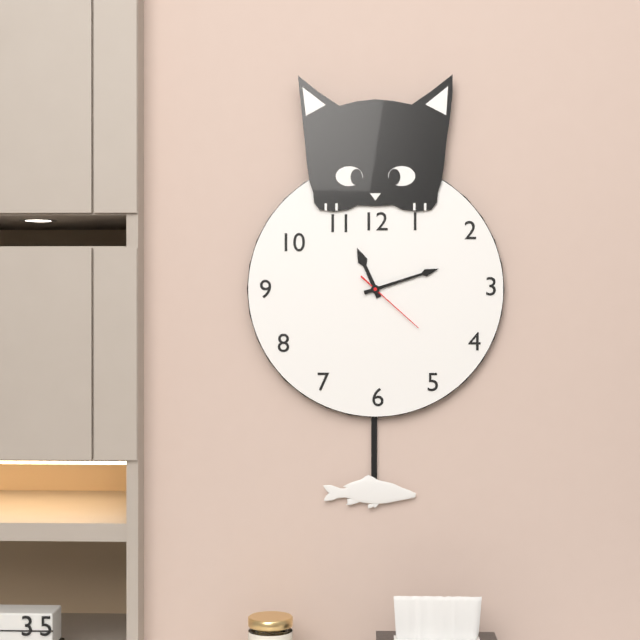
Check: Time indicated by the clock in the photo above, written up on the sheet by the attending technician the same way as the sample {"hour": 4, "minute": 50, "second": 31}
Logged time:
{"hour": 11, "minute": 12, "second": 22}
